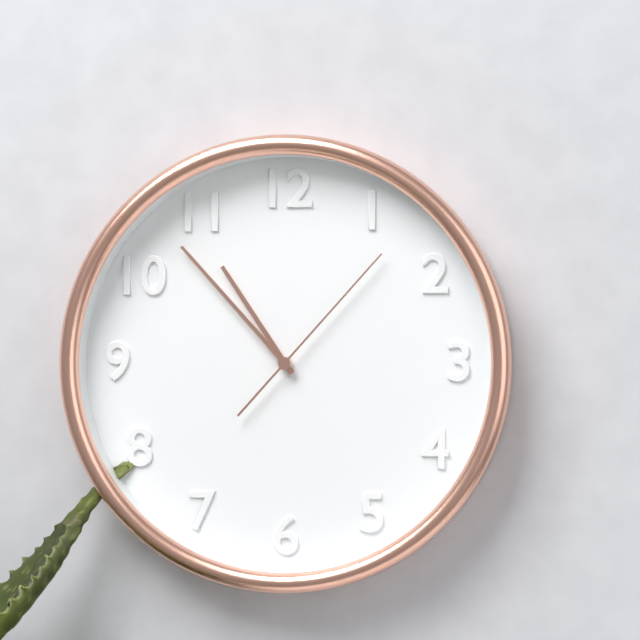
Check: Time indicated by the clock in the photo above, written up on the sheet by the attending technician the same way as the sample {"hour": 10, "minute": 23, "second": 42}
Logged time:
{"hour": 10, "minute": 53, "second": 7}
